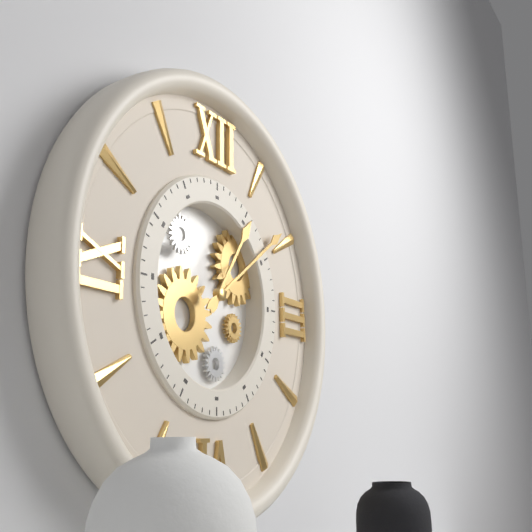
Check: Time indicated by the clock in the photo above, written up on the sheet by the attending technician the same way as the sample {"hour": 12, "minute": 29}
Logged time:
{"hour": 1, "minute": 9}
